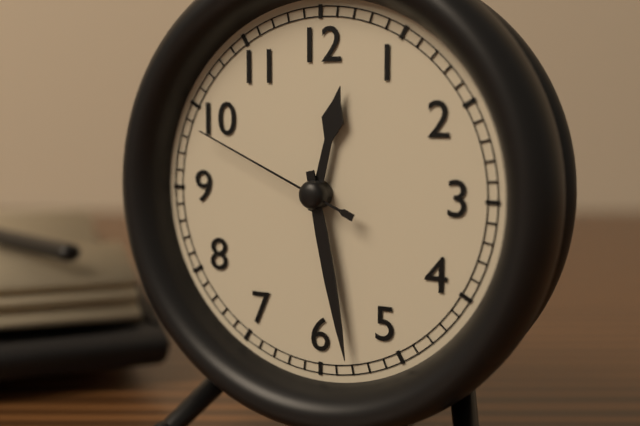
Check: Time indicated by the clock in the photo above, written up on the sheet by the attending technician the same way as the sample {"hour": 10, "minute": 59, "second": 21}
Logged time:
{"hour": 12, "minute": 28, "second": 49}
